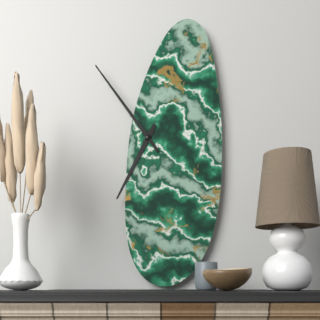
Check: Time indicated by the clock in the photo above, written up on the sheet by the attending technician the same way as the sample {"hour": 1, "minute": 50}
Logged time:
{"hour": 6, "minute": 54}
